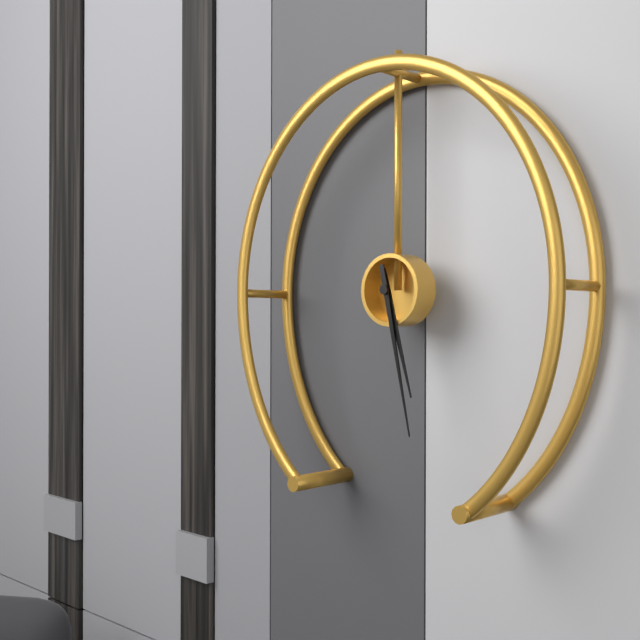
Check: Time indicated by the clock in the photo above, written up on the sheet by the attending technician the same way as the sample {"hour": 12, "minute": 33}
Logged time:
{"hour": 5, "minute": 28}
